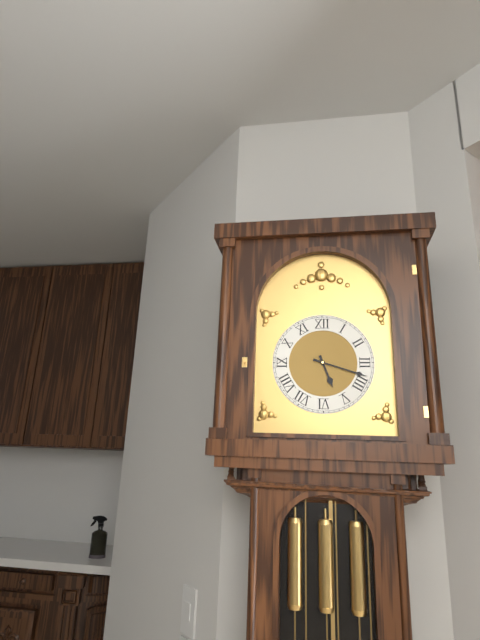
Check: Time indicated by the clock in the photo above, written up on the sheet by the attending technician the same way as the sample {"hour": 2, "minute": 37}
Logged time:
{"hour": 5, "minute": 18}
